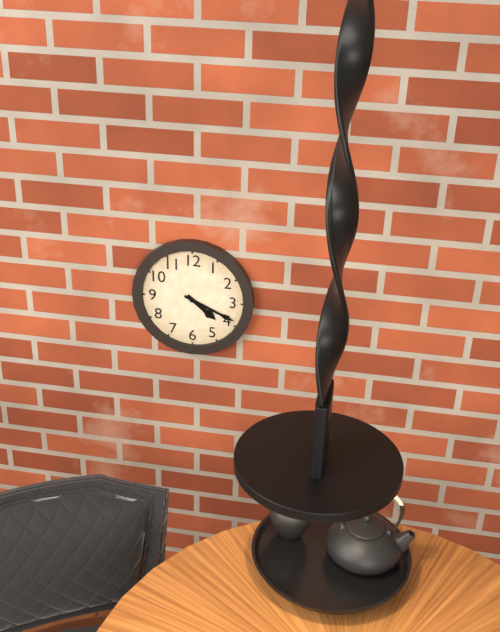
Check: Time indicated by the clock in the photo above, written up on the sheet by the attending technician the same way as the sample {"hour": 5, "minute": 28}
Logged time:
{"hour": 4, "minute": 19}
